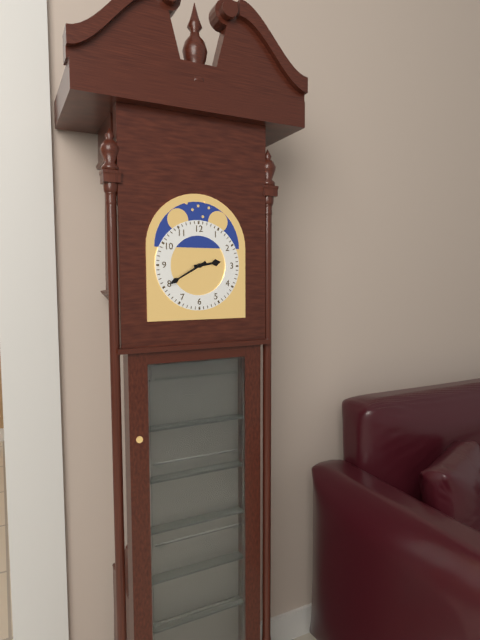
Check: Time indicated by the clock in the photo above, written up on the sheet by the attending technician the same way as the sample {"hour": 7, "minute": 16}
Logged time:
{"hour": 2, "minute": 40}
